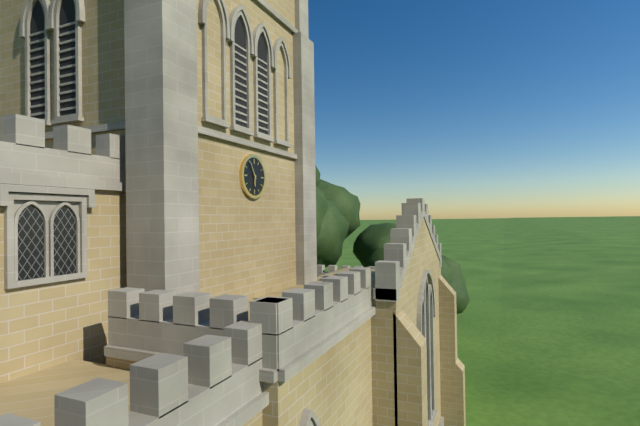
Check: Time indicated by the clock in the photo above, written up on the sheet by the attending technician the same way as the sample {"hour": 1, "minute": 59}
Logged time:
{"hour": 5, "minute": 55}
